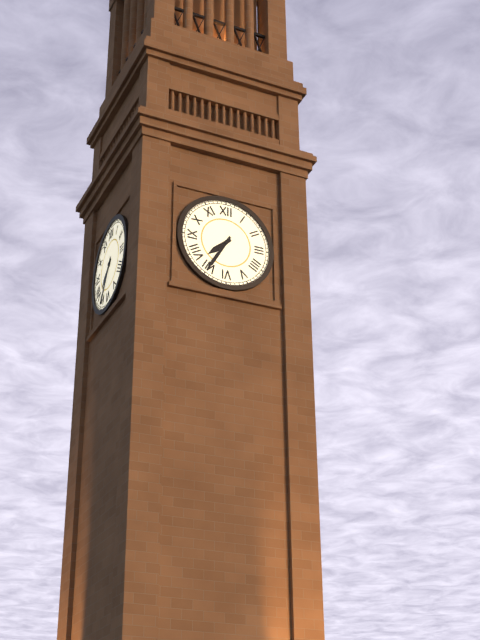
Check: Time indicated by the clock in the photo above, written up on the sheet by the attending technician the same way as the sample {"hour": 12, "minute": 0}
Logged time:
{"hour": 7, "minute": 35}
